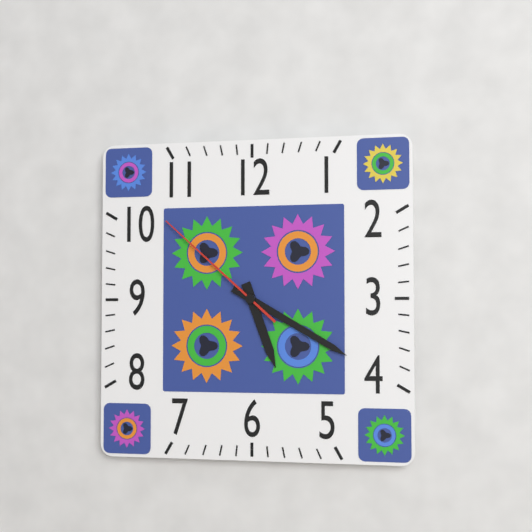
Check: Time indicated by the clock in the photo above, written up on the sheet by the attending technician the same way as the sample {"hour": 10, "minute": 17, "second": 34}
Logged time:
{"hour": 5, "minute": 20, "second": 52}
